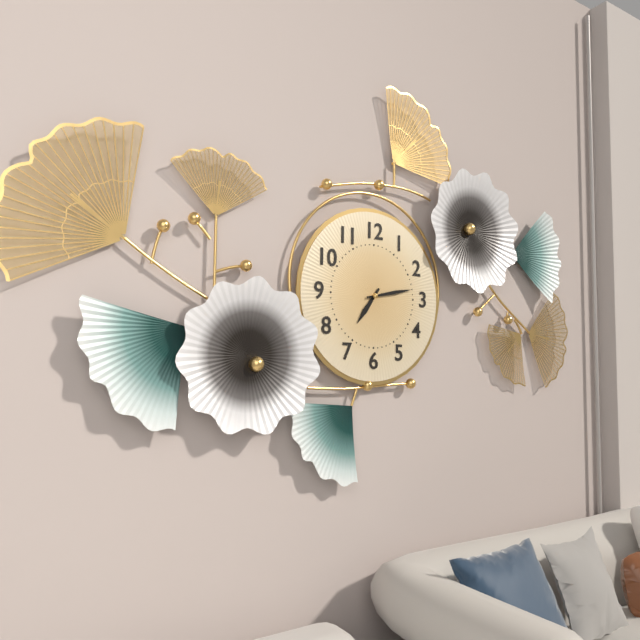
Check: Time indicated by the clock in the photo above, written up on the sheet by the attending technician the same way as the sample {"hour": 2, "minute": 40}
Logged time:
{"hour": 7, "minute": 13}
